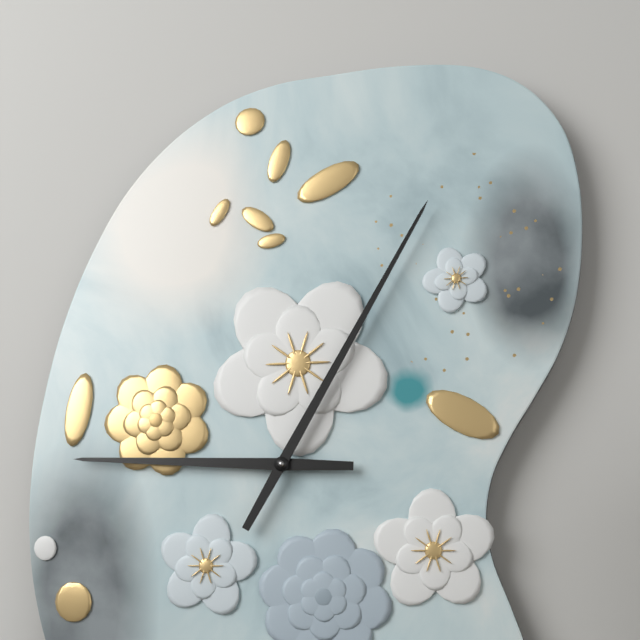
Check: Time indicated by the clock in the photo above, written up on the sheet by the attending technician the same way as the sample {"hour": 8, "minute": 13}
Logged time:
{"hour": 9, "minute": 5}
